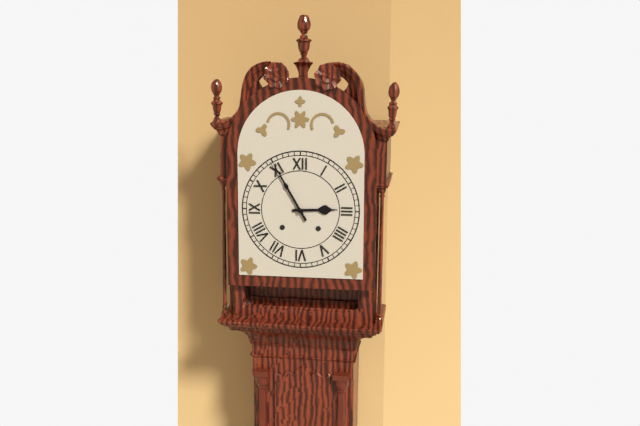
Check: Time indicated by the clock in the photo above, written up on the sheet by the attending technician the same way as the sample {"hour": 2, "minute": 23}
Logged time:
{"hour": 2, "minute": 55}
